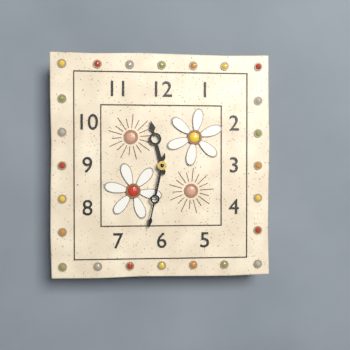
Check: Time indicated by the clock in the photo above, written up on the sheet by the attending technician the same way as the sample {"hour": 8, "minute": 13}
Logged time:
{"hour": 11, "minute": 32}
